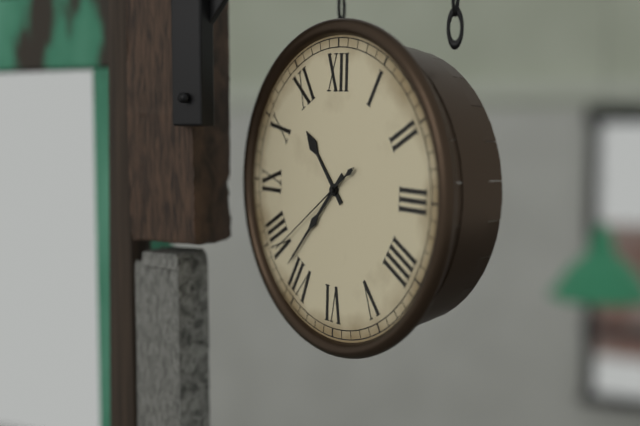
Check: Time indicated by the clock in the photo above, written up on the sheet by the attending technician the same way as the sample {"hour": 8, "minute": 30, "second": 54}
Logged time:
{"hour": 10, "minute": 37, "second": 39}
